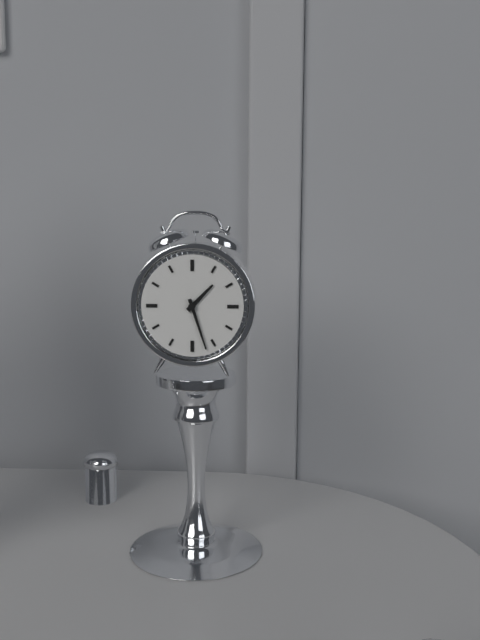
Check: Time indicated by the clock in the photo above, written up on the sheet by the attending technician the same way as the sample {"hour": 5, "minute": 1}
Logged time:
{"hour": 1, "minute": 27}
